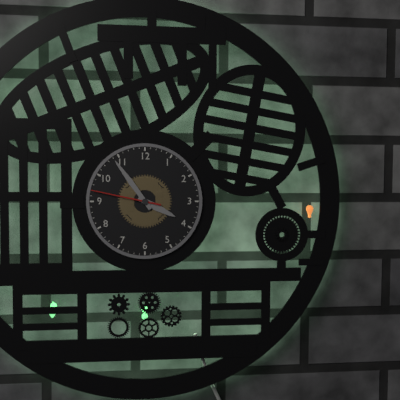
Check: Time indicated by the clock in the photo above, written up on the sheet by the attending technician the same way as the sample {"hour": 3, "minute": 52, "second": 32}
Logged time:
{"hour": 3, "minute": 54, "second": 47}
